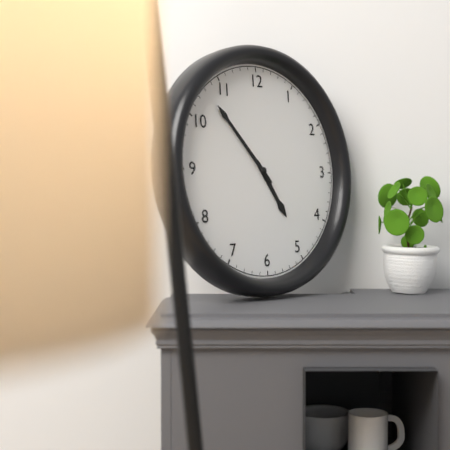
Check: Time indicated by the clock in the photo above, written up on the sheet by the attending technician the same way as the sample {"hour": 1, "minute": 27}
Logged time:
{"hour": 4, "minute": 53}
